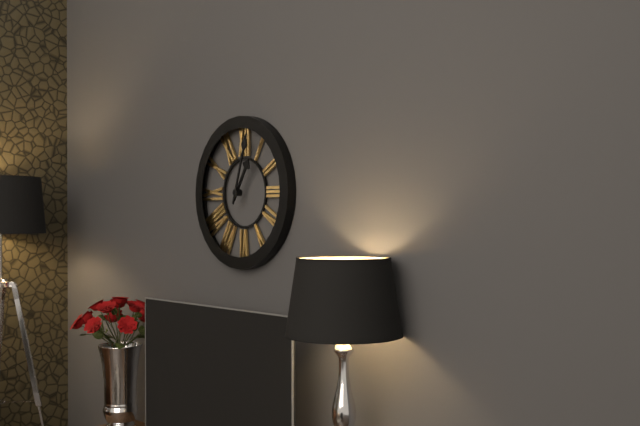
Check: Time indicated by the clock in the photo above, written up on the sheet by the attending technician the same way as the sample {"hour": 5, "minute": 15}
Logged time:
{"hour": 1, "minute": 3}
